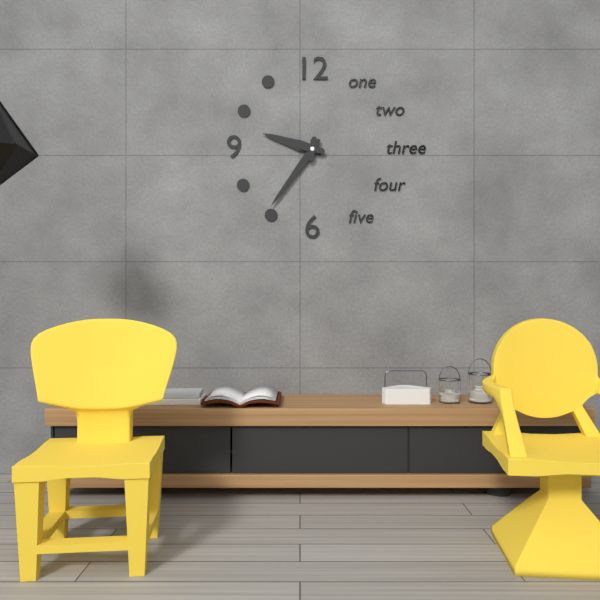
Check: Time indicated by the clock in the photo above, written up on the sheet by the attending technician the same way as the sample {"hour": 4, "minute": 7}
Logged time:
{"hour": 9, "minute": 36}
